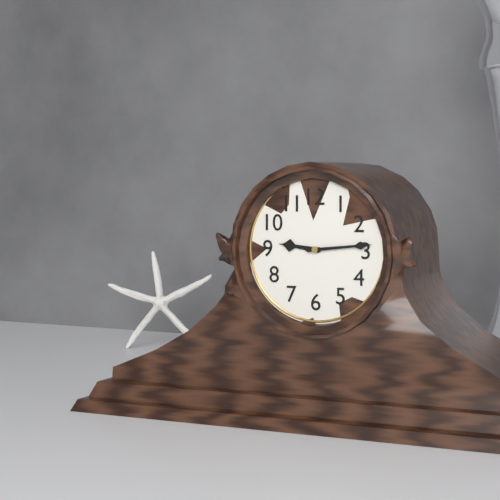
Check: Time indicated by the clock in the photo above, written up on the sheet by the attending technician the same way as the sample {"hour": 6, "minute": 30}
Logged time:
{"hour": 9, "minute": 14}
